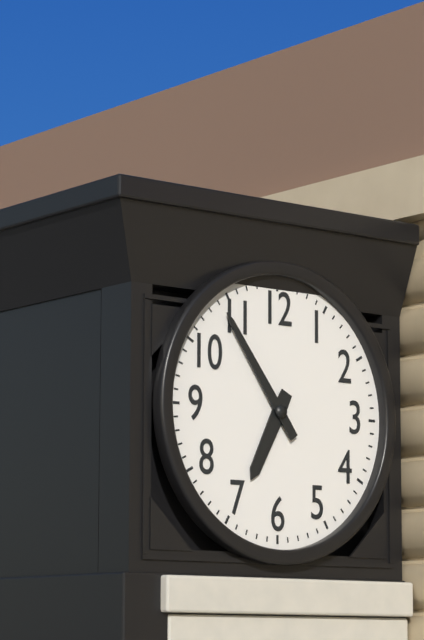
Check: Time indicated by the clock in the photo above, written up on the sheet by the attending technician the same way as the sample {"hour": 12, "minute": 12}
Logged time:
{"hour": 6, "minute": 54}
